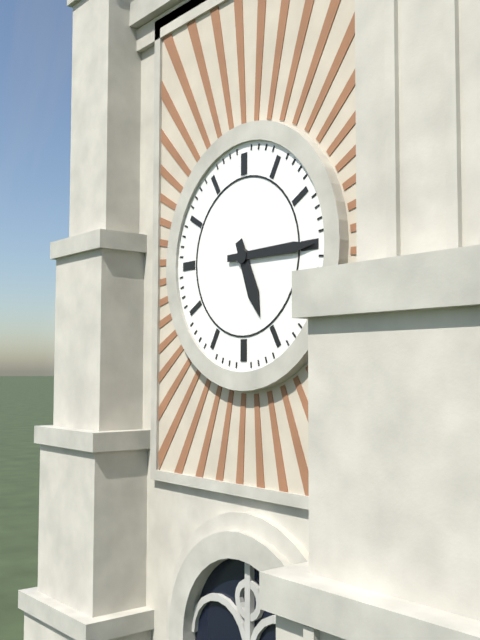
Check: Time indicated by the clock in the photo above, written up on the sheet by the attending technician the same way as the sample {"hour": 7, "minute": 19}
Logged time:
{"hour": 5, "minute": 15}
